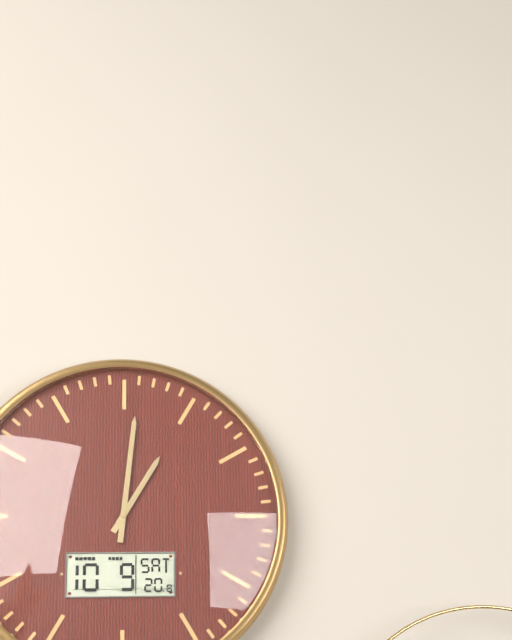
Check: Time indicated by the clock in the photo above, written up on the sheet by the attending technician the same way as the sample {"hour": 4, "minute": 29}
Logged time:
{"hour": 1, "minute": 1}
